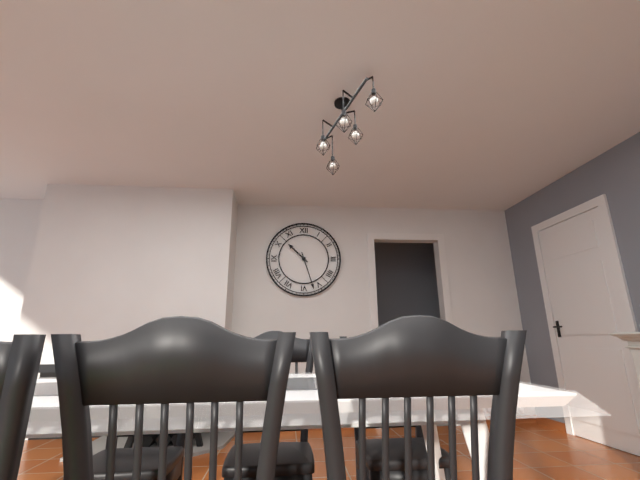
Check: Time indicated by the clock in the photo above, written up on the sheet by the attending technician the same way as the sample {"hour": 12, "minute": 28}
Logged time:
{"hour": 10, "minute": 27}
